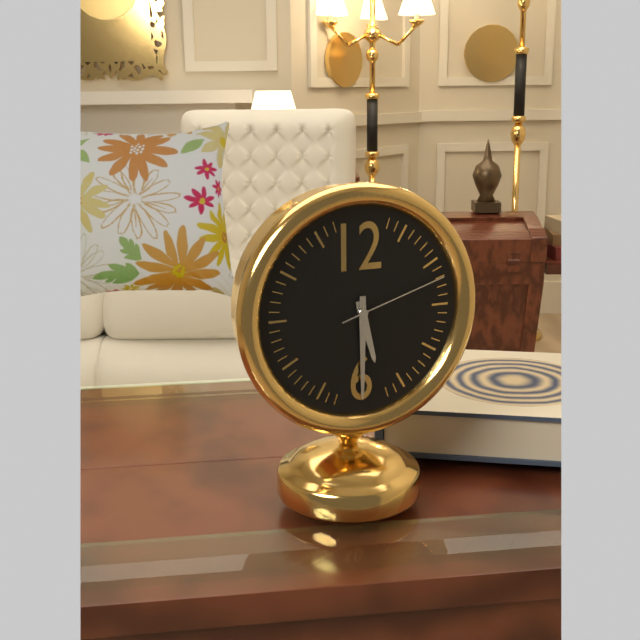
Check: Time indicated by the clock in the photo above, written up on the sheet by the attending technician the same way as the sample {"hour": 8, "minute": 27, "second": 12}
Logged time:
{"hour": 5, "minute": 30, "second": 12}
